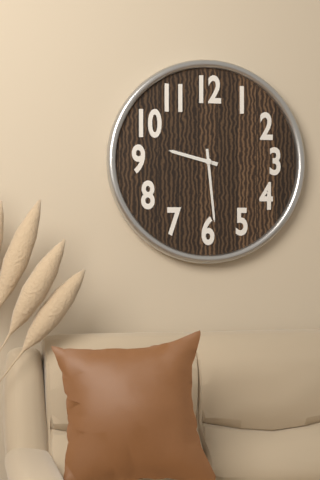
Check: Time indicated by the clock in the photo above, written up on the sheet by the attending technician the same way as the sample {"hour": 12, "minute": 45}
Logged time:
{"hour": 9, "minute": 29}
